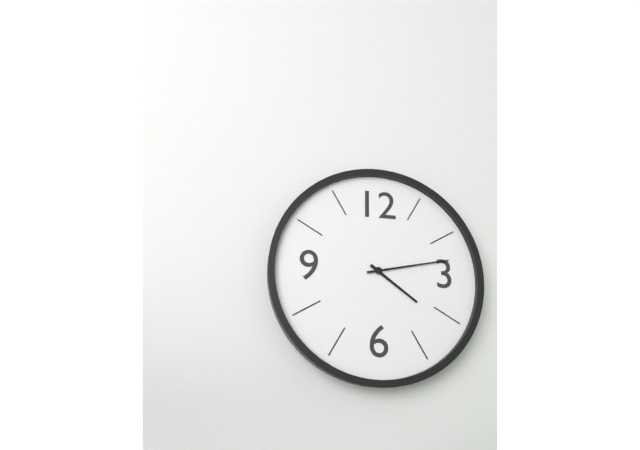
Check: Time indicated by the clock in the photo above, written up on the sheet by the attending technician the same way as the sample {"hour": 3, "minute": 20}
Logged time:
{"hour": 4, "minute": 13}
